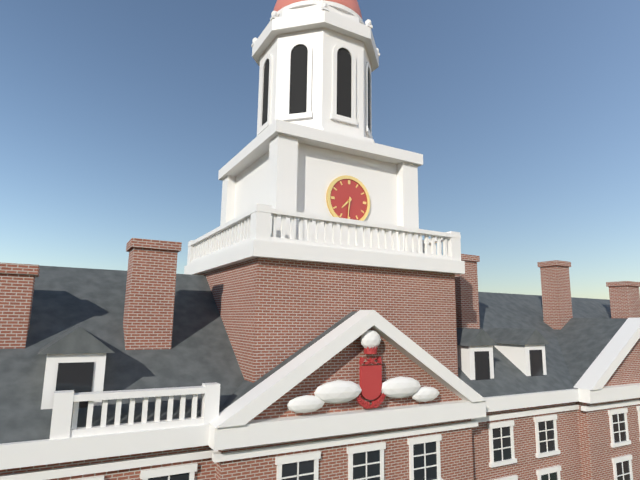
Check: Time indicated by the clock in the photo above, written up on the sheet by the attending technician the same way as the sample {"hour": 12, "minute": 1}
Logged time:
{"hour": 7, "minute": 31}
